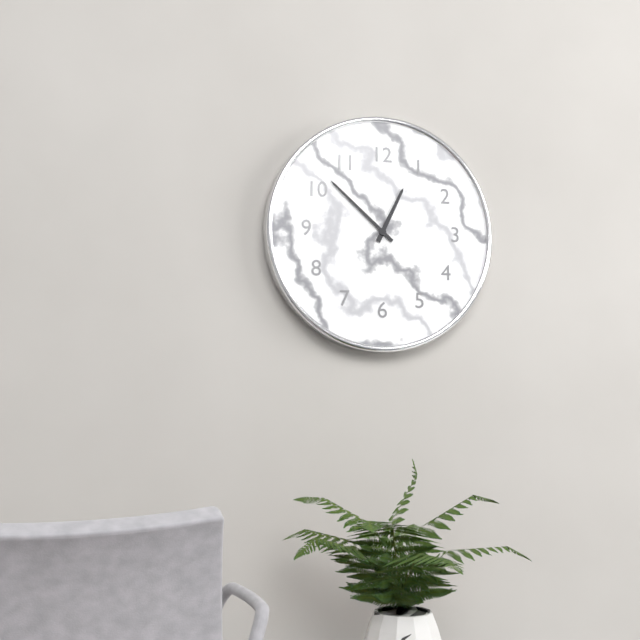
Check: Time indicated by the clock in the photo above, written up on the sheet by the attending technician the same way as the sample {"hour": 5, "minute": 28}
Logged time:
{"hour": 12, "minute": 52}
